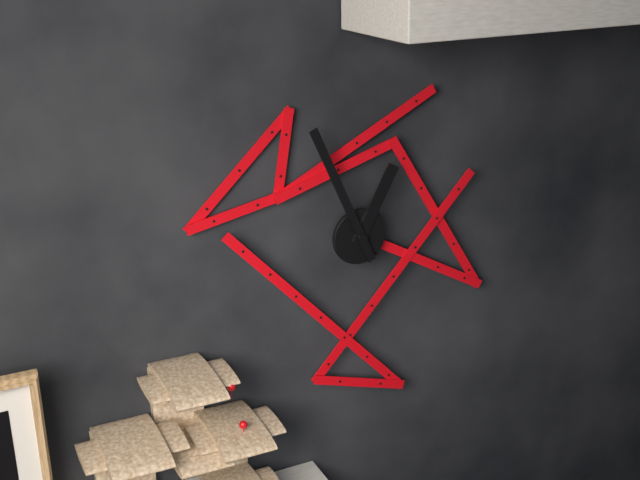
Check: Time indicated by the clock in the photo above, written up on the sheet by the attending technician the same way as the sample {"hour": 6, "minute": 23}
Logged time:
{"hour": 12, "minute": 56}
